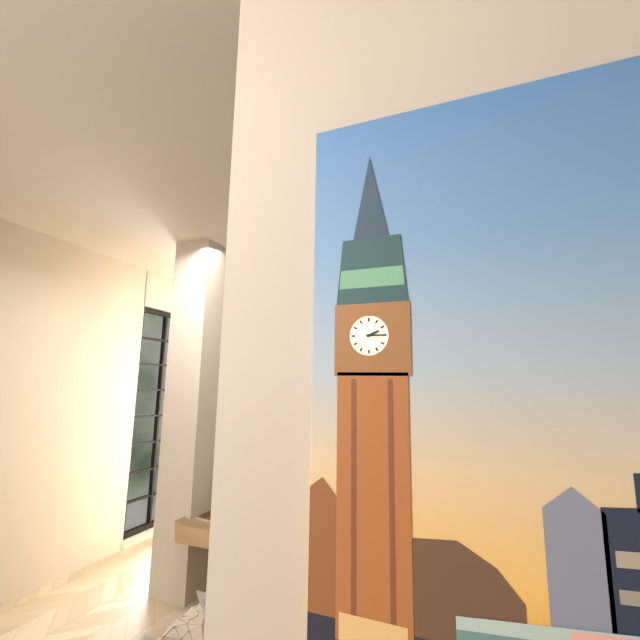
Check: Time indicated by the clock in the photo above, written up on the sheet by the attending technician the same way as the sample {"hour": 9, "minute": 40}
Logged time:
{"hour": 2, "minute": 15}
